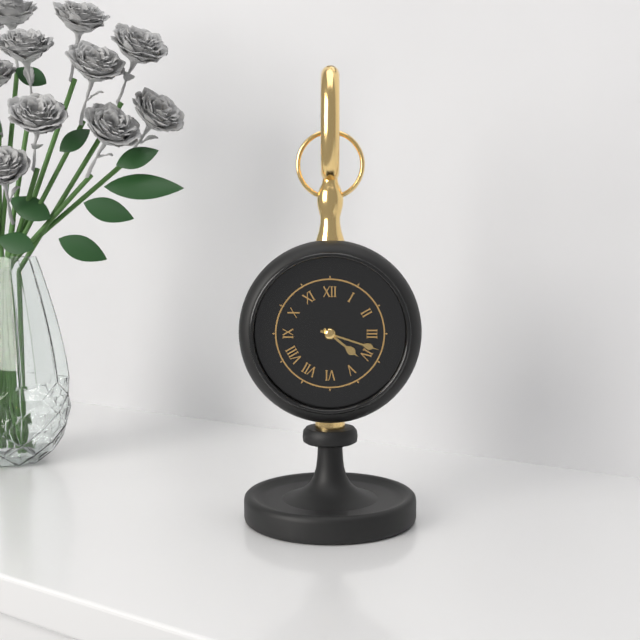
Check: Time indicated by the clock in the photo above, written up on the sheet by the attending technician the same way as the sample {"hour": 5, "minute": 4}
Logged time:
{"hour": 4, "minute": 18}
